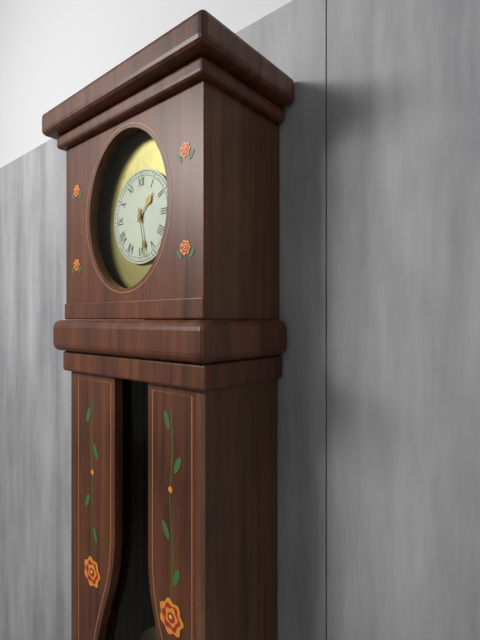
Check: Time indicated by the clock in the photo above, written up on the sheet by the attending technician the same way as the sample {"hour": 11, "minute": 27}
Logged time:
{"hour": 1, "minute": 28}
